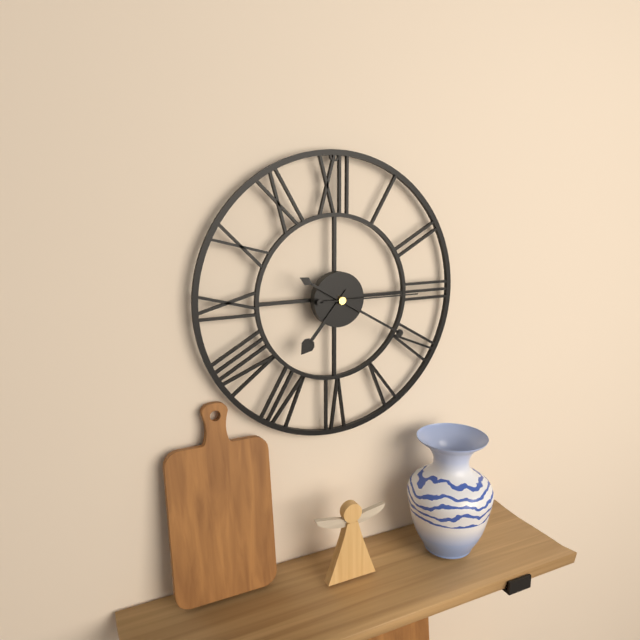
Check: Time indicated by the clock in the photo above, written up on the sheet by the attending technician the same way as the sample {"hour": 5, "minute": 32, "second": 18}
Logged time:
{"hour": 7, "minute": 20, "second": 15}
